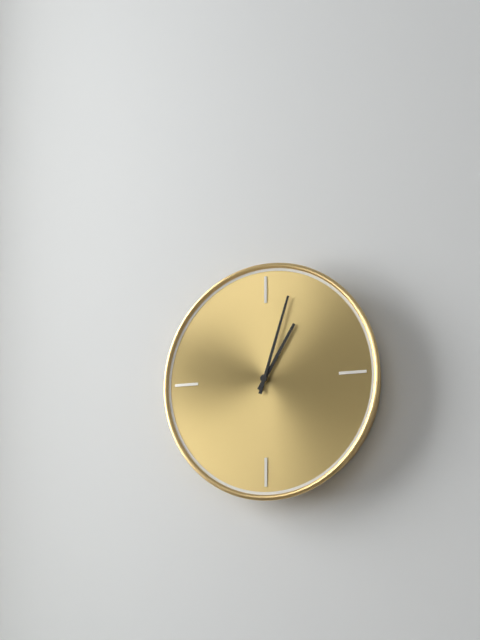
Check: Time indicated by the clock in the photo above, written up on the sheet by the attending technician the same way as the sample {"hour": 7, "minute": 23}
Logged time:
{"hour": 1, "minute": 3}
